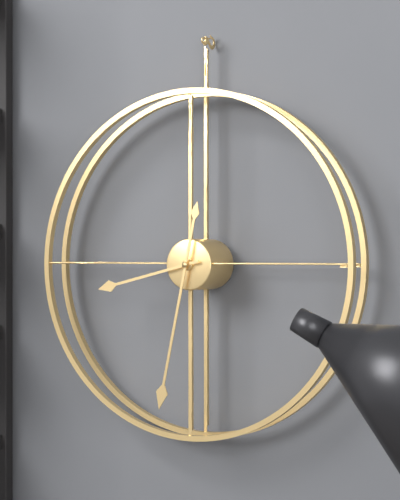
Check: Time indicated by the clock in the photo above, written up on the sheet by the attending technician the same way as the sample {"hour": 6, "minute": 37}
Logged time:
{"hour": 8, "minute": 32}
